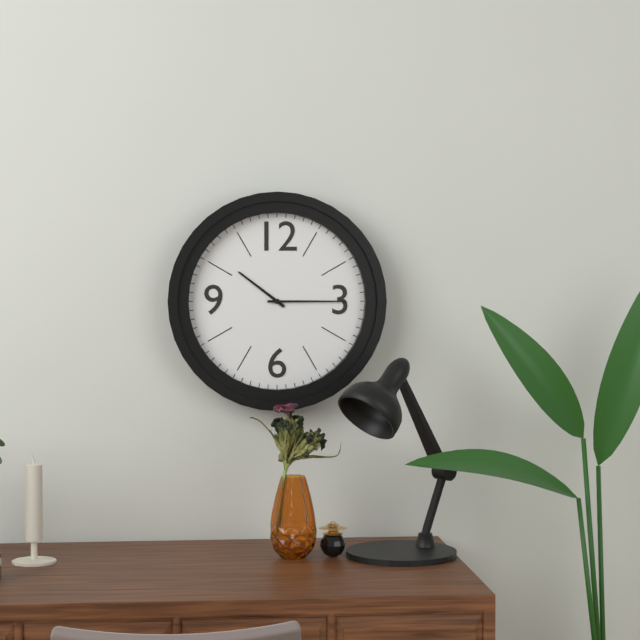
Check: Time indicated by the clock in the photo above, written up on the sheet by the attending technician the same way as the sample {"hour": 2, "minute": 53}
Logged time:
{"hour": 10, "minute": 15}
